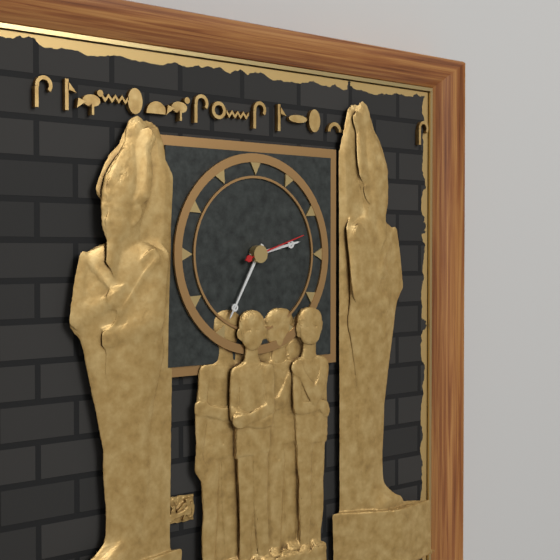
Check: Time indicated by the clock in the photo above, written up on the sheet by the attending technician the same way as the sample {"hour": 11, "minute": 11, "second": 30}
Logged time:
{"hour": 2, "minute": 35, "second": 12}
